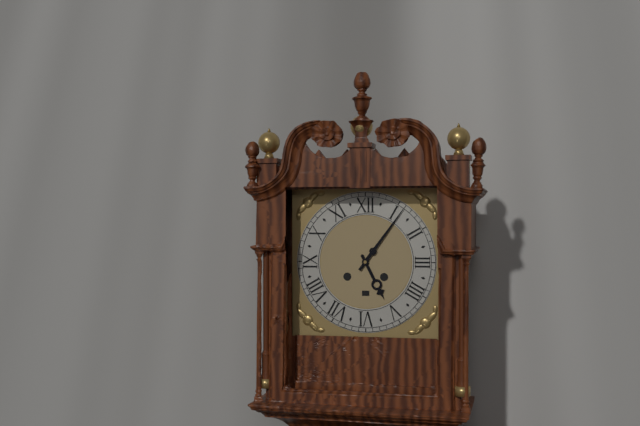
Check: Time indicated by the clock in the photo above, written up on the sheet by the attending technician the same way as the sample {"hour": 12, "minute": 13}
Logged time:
{"hour": 5, "minute": 6}
